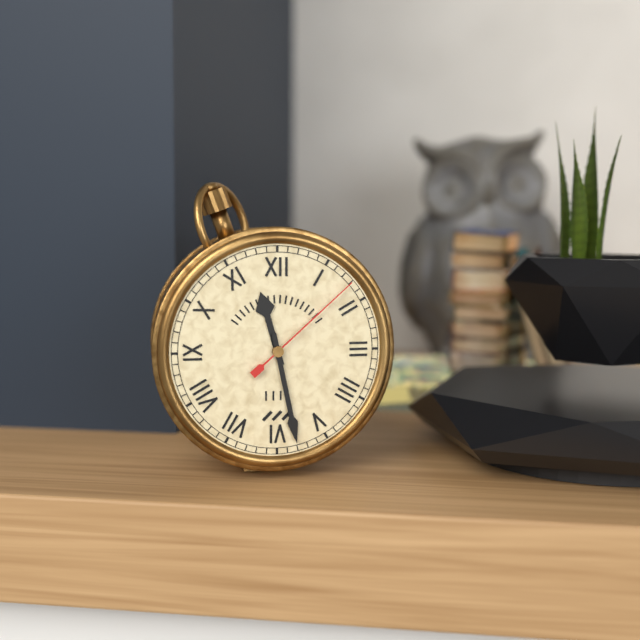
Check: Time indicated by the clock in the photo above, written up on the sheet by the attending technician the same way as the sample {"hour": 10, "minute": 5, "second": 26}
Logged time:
{"hour": 11, "minute": 28, "second": 8}
